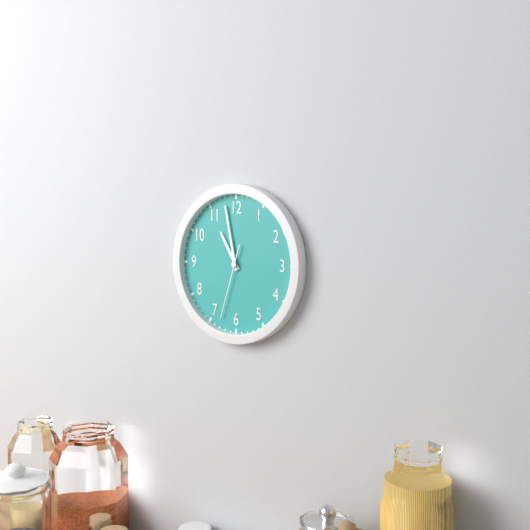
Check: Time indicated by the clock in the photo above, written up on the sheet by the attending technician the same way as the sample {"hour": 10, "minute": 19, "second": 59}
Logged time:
{"hour": 10, "minute": 58, "second": 33}
